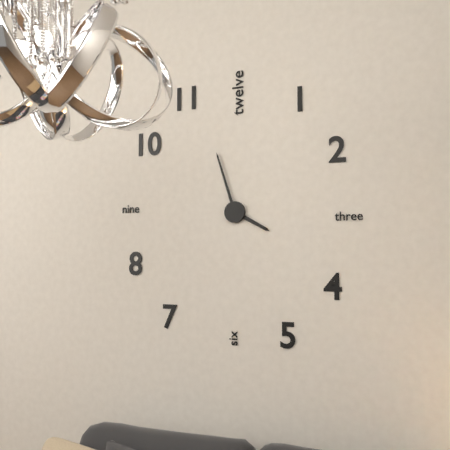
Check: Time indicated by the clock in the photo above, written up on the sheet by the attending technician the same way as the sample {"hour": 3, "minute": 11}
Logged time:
{"hour": 3, "minute": 57}
